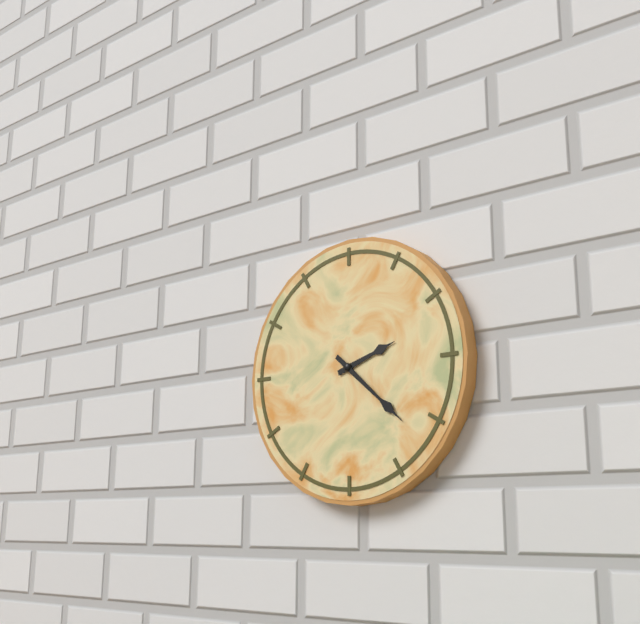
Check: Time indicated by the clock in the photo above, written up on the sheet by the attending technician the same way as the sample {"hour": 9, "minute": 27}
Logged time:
{"hour": 2, "minute": 22}
